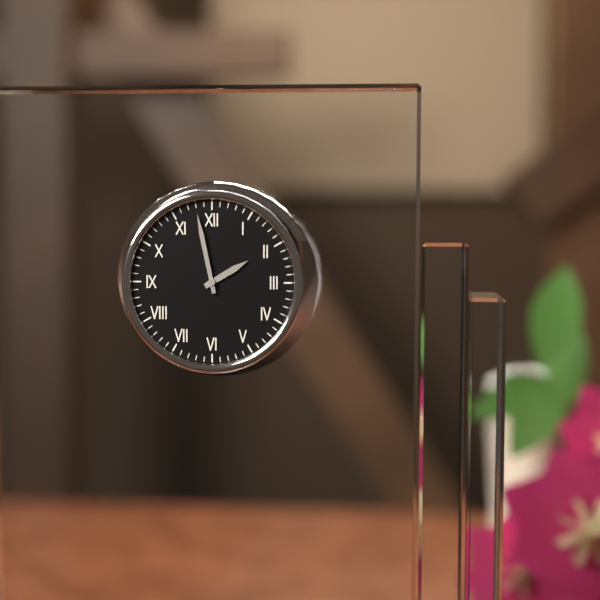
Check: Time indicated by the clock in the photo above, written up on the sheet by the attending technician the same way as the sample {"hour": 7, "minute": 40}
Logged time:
{"hour": 1, "minute": 58}
